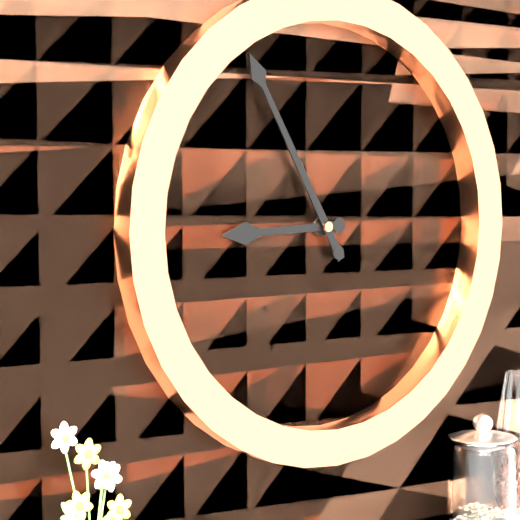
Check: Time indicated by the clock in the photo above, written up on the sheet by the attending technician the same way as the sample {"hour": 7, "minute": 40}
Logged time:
{"hour": 8, "minute": 55}
